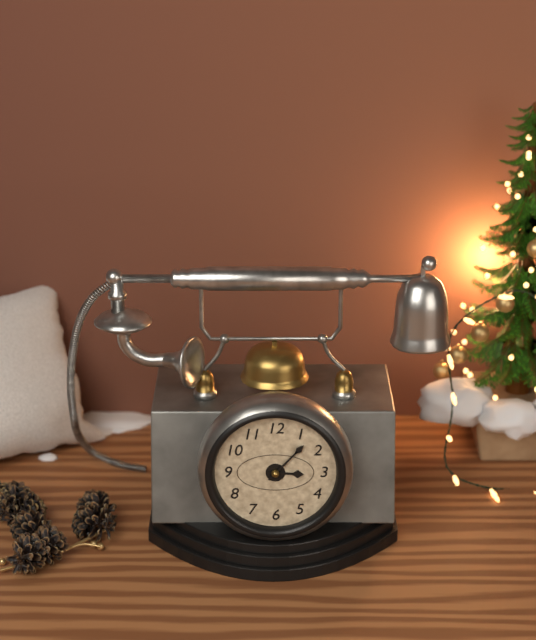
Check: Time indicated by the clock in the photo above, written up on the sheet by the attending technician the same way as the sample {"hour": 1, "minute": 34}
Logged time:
{"hour": 3, "minute": 7}
